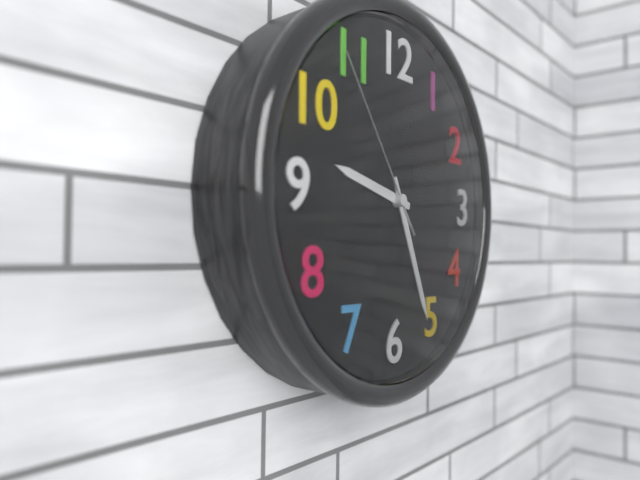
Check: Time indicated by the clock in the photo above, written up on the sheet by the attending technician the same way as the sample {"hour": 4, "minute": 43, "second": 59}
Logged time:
{"hour": 9, "minute": 26, "second": 54}
